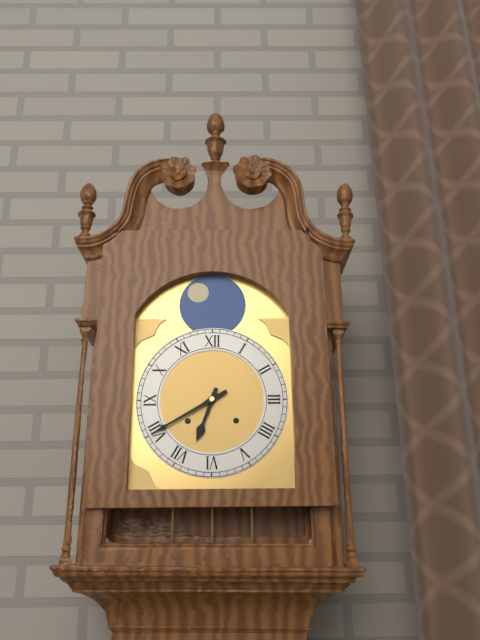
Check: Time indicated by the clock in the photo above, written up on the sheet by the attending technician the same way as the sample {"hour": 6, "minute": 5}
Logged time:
{"hour": 6, "minute": 40}
